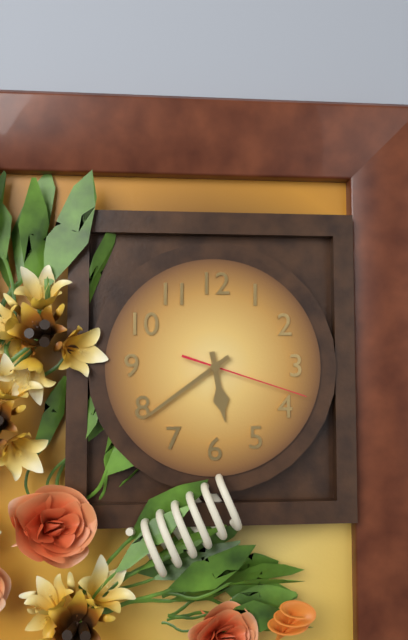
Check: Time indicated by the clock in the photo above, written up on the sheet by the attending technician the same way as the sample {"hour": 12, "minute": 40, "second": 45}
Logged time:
{"hour": 5, "minute": 39, "second": 18}
